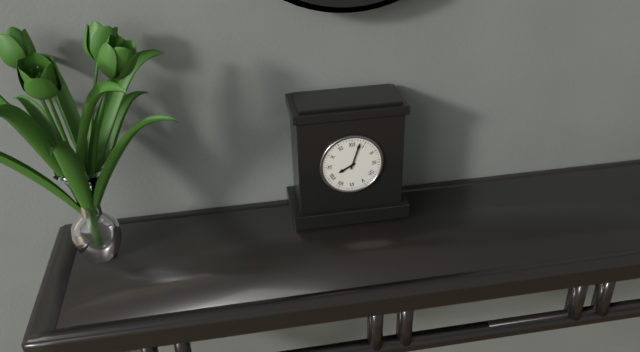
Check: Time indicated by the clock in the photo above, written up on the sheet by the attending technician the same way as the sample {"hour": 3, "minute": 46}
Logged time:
{"hour": 8, "minute": 3}
